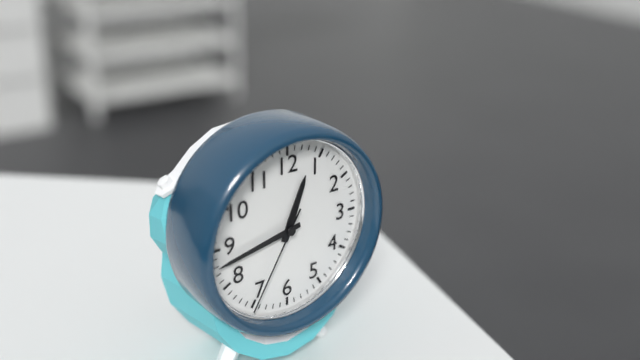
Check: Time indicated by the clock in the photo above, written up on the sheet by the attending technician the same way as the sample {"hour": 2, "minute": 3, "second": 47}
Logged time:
{"hour": 12, "minute": 43, "second": 35}
